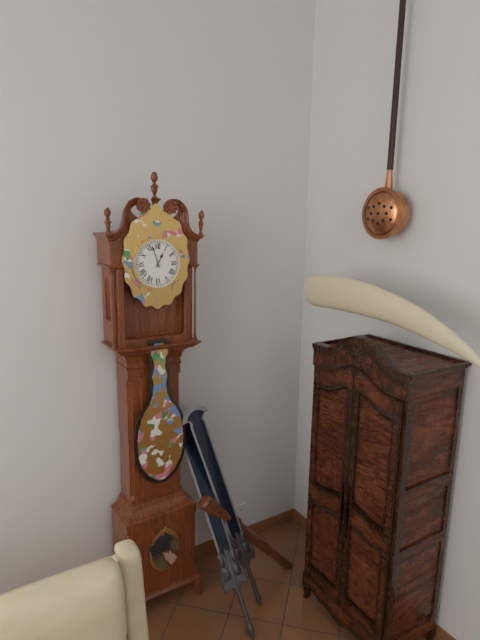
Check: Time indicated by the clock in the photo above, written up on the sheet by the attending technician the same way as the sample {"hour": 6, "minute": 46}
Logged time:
{"hour": 12, "minute": 57}
